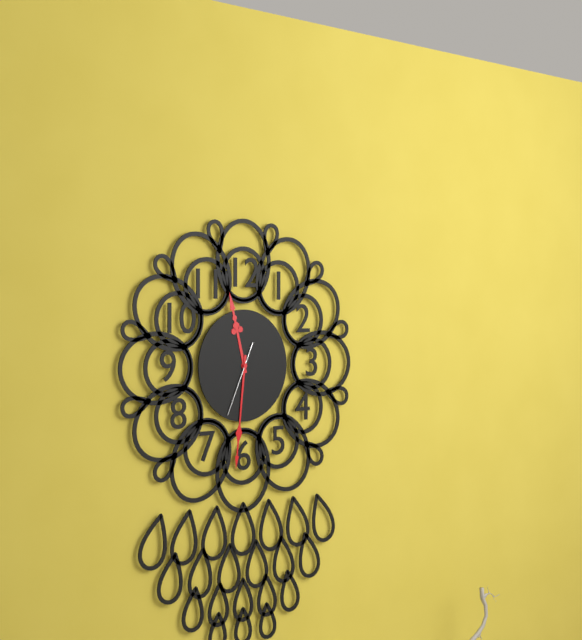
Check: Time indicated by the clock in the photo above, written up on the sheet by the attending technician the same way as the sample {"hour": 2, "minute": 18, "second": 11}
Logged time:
{"hour": 11, "minute": 31, "second": 34}
